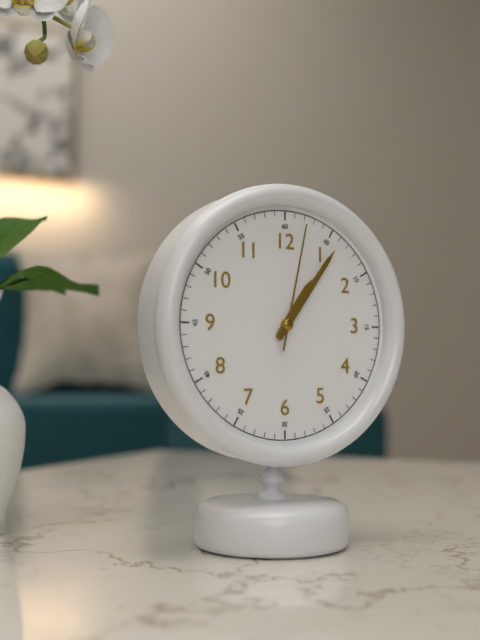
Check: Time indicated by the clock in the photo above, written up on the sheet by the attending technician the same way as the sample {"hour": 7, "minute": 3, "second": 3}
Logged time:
{"hour": 1, "minute": 6, "second": 2}
